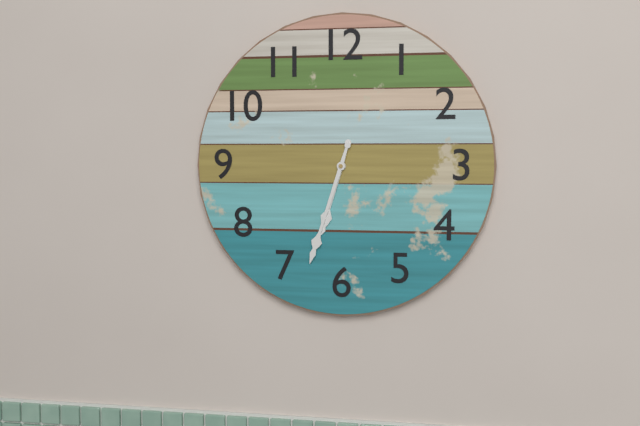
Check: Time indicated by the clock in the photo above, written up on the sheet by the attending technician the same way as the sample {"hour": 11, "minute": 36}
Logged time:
{"hour": 6, "minute": 33}
